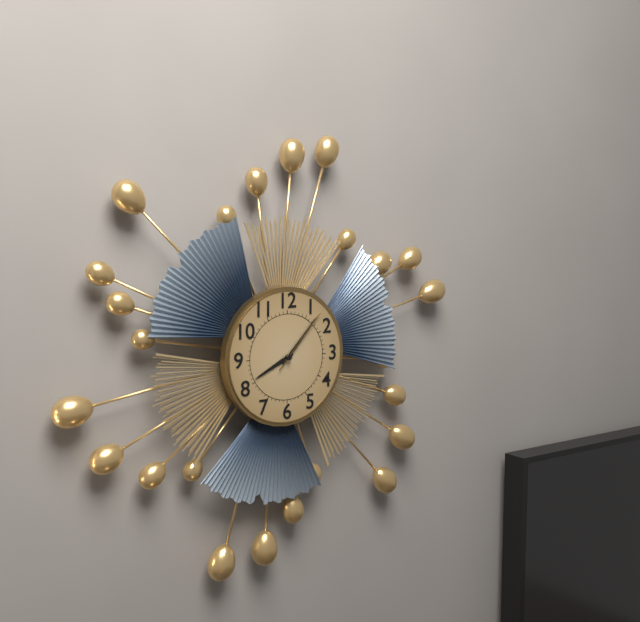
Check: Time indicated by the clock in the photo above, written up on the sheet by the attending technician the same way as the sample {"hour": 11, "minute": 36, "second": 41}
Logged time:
{"hour": 8, "minute": 7, "second": 7}
